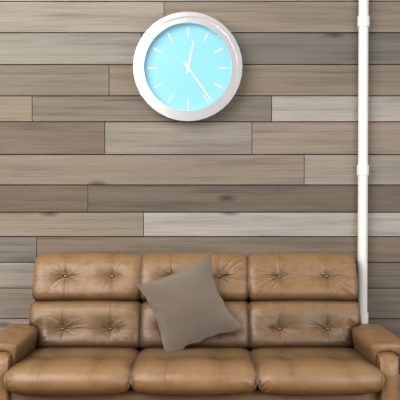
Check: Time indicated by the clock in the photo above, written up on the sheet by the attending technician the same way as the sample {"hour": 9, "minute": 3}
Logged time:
{"hour": 12, "minute": 24}
